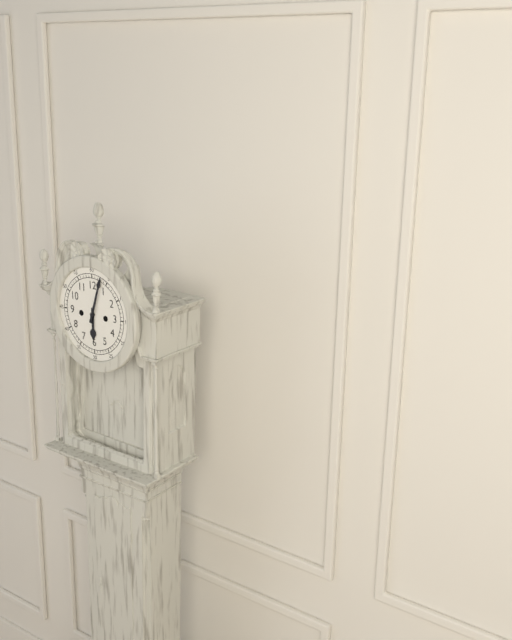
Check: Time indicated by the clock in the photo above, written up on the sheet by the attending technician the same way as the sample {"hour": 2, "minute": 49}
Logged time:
{"hour": 6, "minute": 3}
